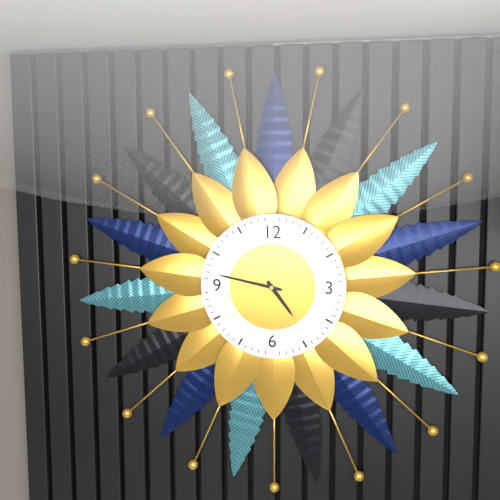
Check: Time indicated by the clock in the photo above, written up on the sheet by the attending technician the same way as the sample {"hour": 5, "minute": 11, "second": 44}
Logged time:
{"hour": 4, "minute": 47, "second": 39}
